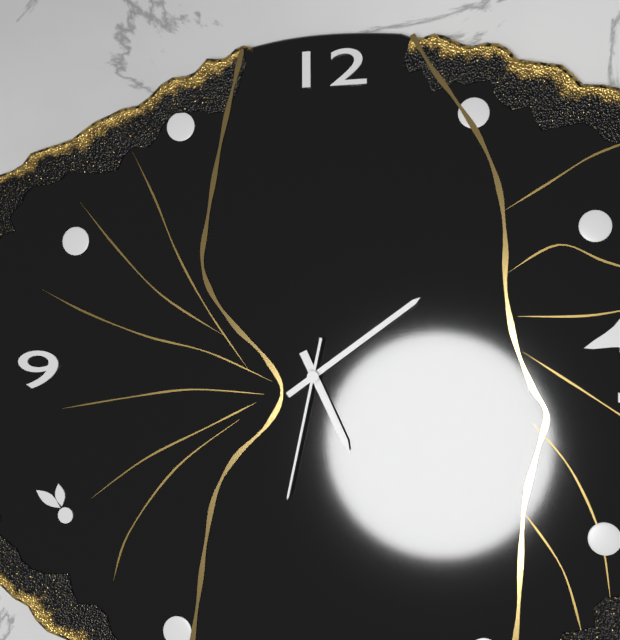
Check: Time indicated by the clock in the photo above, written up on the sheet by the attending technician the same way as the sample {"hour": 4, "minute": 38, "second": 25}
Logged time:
{"hour": 5, "minute": 9, "second": 32}
